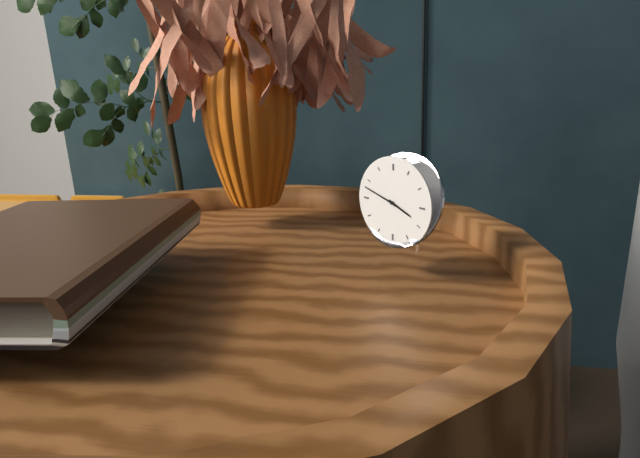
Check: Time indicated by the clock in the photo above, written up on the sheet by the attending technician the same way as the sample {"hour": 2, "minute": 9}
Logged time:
{"hour": 3, "minute": 48}
